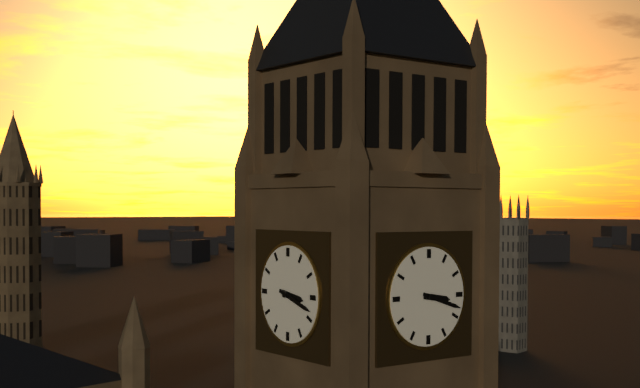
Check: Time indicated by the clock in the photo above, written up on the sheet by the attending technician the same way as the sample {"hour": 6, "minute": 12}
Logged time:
{"hour": 3, "minute": 18}
